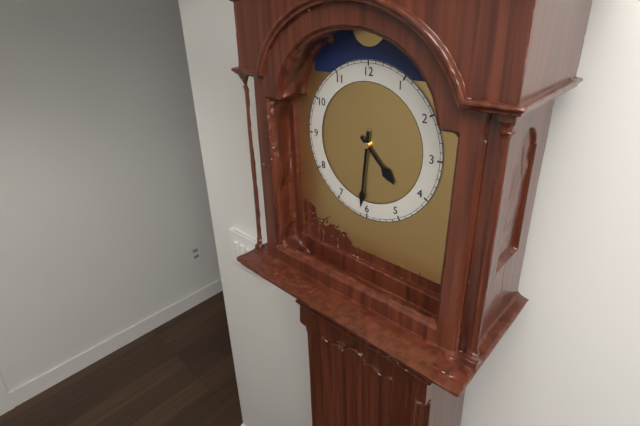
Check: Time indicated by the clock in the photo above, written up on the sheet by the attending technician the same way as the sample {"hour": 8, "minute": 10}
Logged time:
{"hour": 4, "minute": 31}
